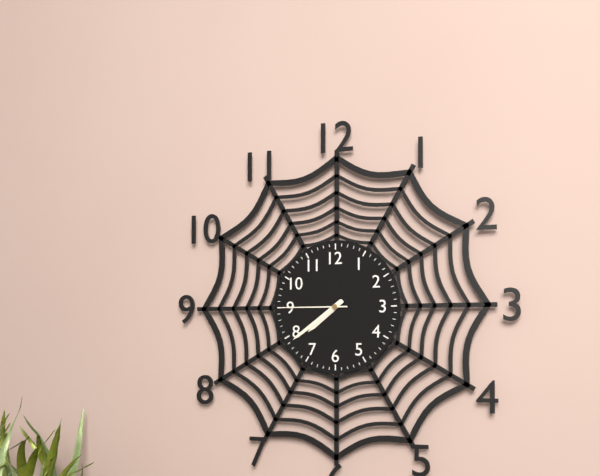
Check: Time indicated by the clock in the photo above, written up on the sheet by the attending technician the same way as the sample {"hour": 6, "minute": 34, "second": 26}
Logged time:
{"hour": 7, "minute": 39, "second": 45}
